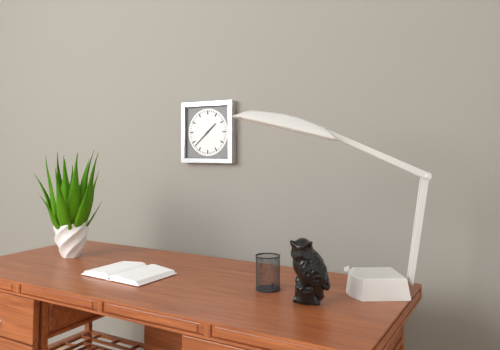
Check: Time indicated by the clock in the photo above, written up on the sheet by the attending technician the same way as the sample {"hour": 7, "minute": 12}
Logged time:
{"hour": 1, "minute": 38}
